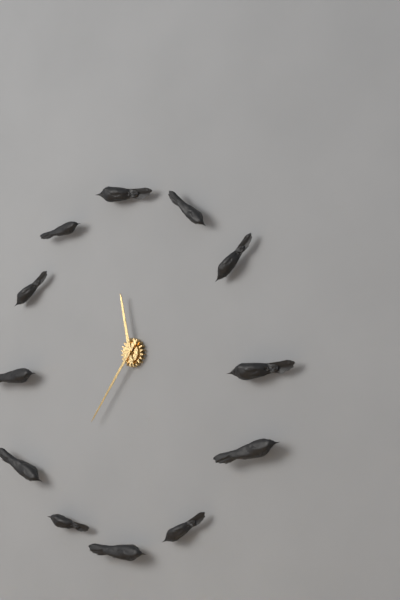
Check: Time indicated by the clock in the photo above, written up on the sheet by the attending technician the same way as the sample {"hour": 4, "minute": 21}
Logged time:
{"hour": 11, "minute": 36}
